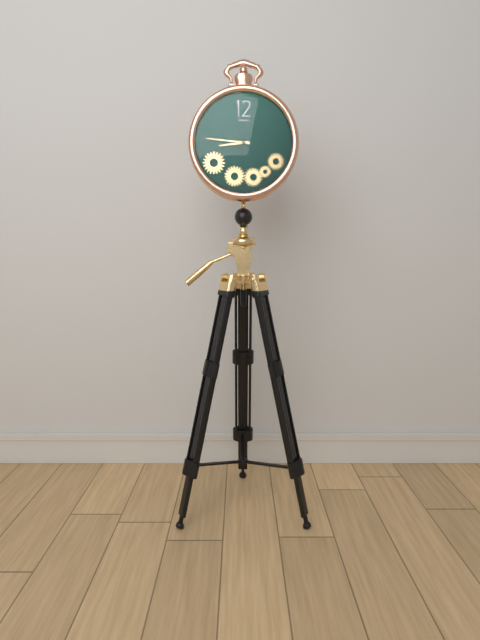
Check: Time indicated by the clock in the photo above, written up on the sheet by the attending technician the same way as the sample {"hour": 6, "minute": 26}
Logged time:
{"hour": 8, "minute": 46}
